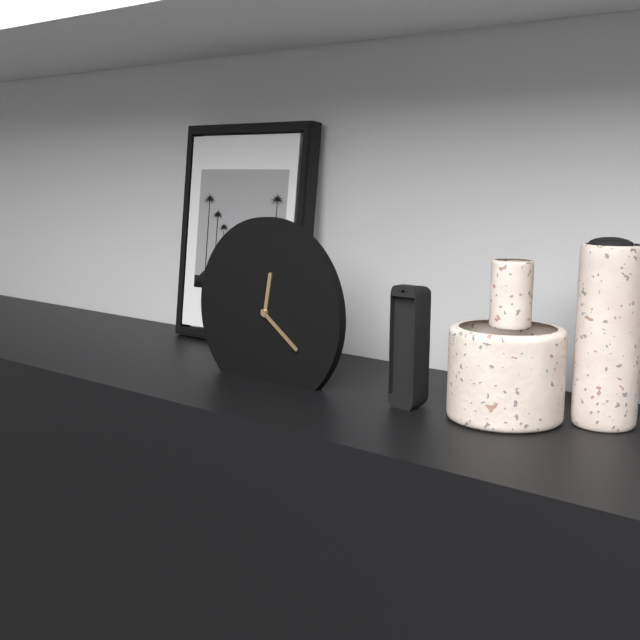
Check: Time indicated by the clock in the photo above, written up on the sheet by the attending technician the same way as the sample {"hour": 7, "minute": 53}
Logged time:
{"hour": 12, "minute": 21}
